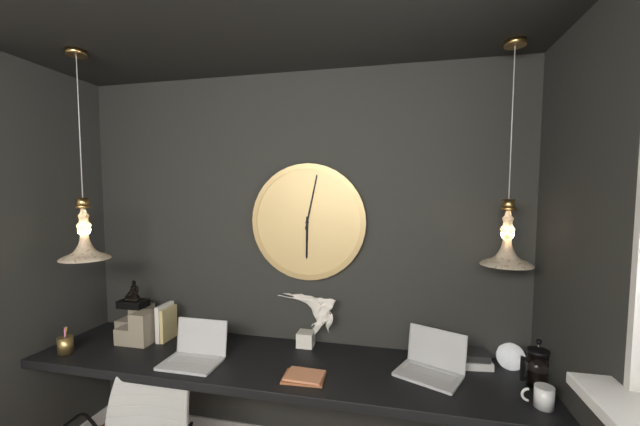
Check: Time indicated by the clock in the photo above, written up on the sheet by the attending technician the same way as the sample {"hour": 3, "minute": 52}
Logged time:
{"hour": 6, "minute": 2}
